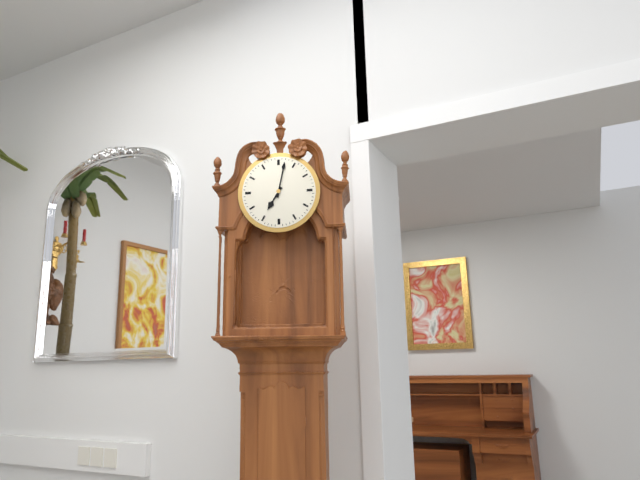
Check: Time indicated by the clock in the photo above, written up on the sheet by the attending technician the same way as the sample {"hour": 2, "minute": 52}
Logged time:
{"hour": 7, "minute": 2}
